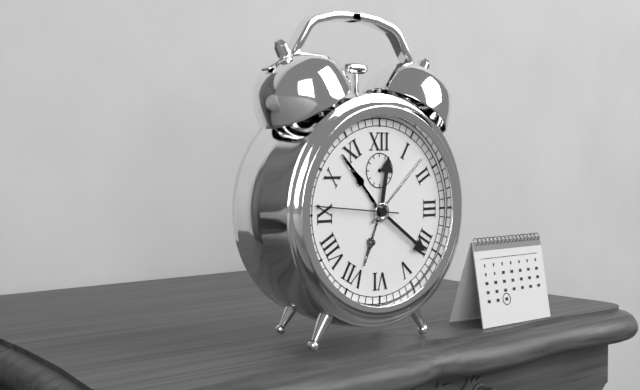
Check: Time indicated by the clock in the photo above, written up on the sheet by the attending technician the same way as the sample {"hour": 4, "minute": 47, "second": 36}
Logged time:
{"hour": 12, "minute": 21, "second": 46}
